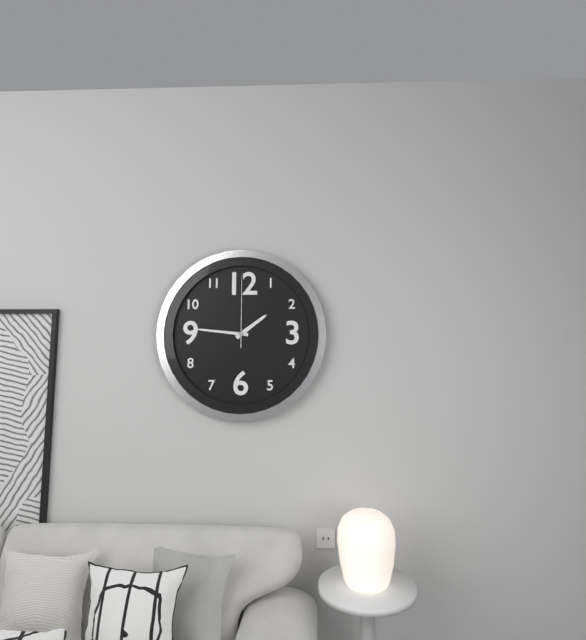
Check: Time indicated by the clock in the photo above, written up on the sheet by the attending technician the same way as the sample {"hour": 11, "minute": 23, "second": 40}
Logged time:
{"hour": 1, "minute": 46, "second": 0}
